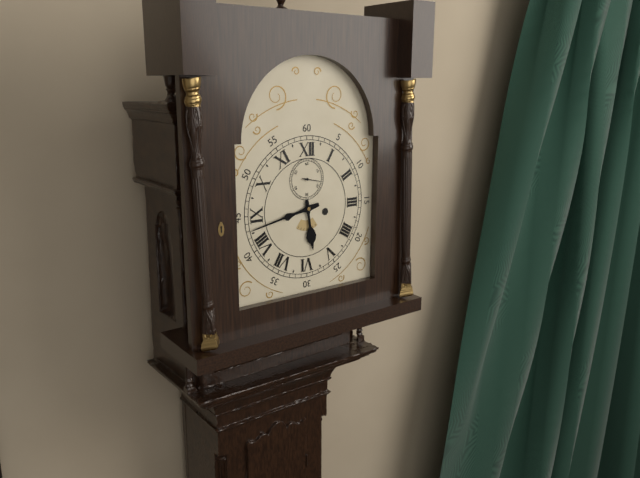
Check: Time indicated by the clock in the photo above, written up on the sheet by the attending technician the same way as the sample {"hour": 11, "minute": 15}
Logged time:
{"hour": 5, "minute": 43}
